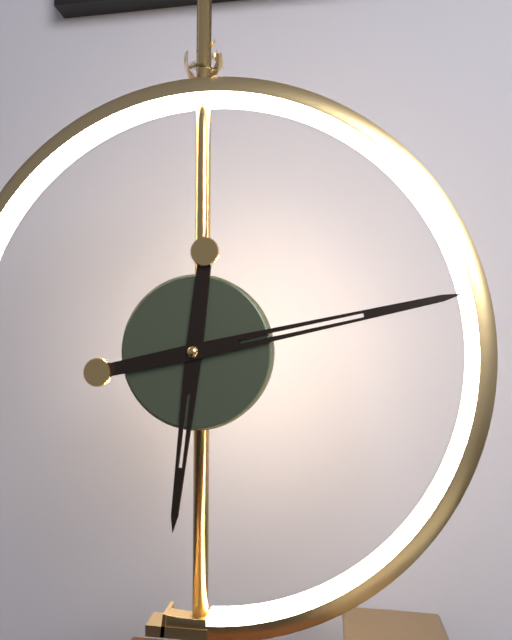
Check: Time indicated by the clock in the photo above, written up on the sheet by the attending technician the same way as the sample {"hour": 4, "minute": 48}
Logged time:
{"hour": 6, "minute": 13}
